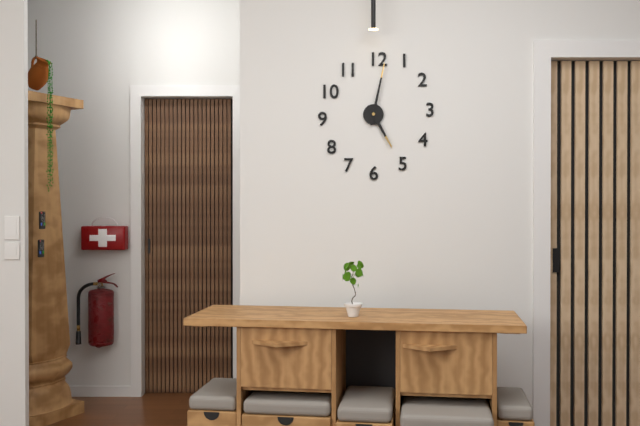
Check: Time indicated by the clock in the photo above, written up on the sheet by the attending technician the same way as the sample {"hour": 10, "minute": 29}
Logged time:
{"hour": 5, "minute": 2}
